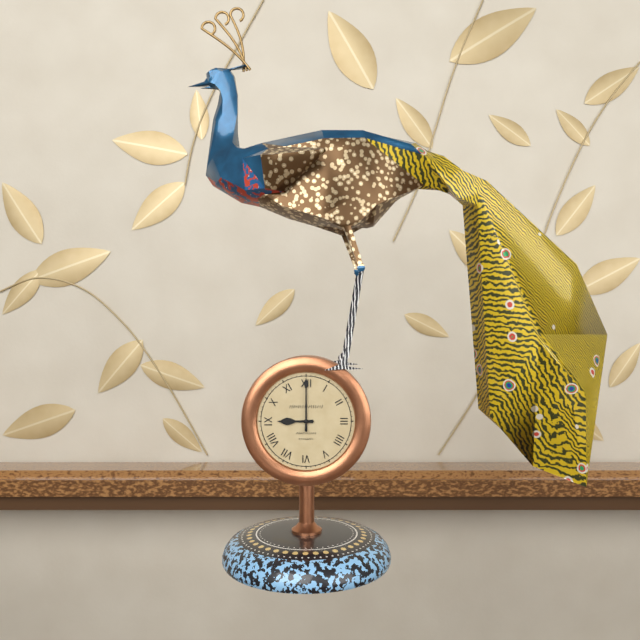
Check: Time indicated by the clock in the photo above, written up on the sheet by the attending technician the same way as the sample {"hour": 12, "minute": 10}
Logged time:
{"hour": 9, "minute": 0}
